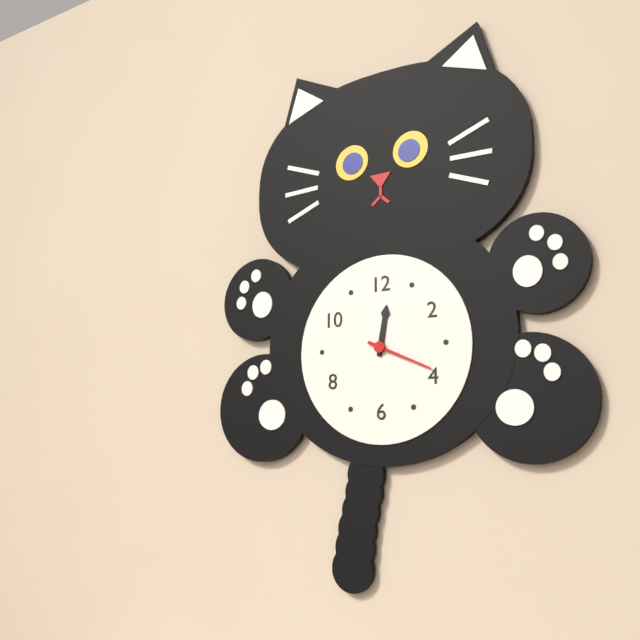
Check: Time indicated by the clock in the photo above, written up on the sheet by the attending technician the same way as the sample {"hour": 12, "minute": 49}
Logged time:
{"hour": 12, "minute": 19}
